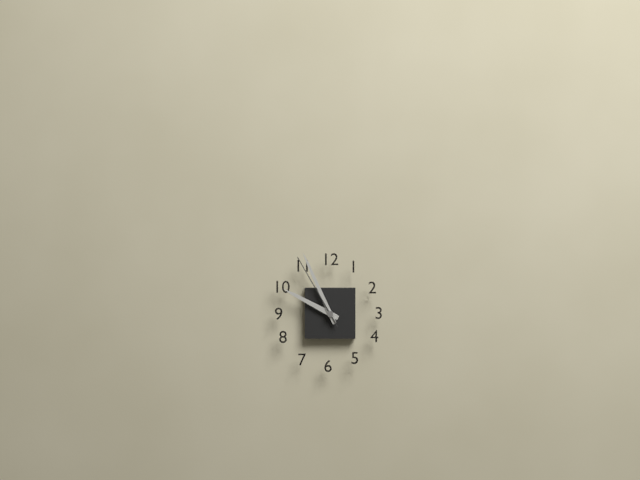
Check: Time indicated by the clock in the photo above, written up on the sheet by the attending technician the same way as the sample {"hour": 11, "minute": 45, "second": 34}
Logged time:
{"hour": 9, "minute": 56, "second": 55}
